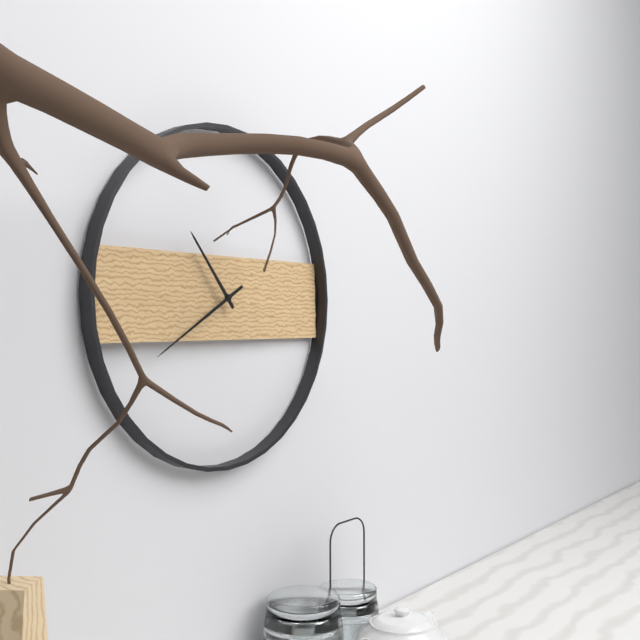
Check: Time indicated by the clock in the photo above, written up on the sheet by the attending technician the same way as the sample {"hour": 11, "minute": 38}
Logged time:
{"hour": 10, "minute": 40}
